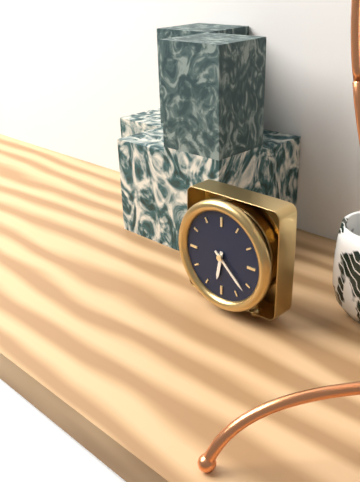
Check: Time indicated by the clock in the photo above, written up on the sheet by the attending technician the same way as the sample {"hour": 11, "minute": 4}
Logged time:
{"hour": 6, "minute": 22}
